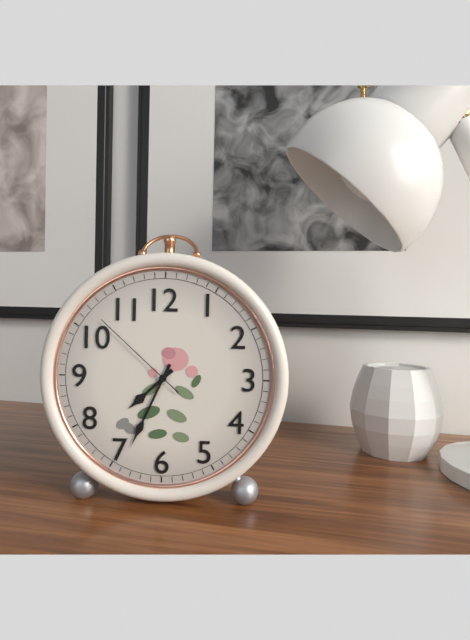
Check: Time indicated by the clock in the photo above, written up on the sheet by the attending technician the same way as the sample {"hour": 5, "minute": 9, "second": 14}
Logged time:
{"hour": 7, "minute": 34, "second": 52}
